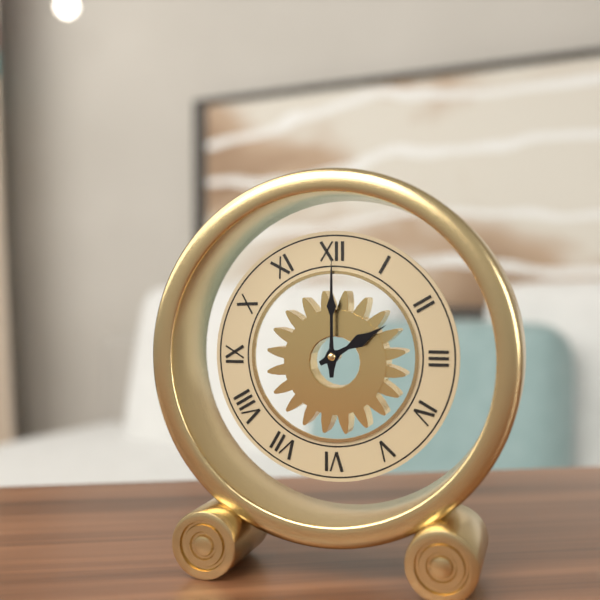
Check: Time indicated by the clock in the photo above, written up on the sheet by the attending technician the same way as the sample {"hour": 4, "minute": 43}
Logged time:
{"hour": 2, "minute": 0}
